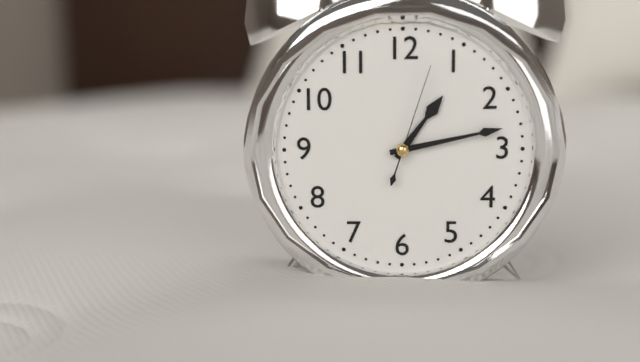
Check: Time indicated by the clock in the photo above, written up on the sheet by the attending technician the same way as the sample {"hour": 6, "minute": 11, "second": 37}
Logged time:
{"hour": 1, "minute": 13, "second": 3}
